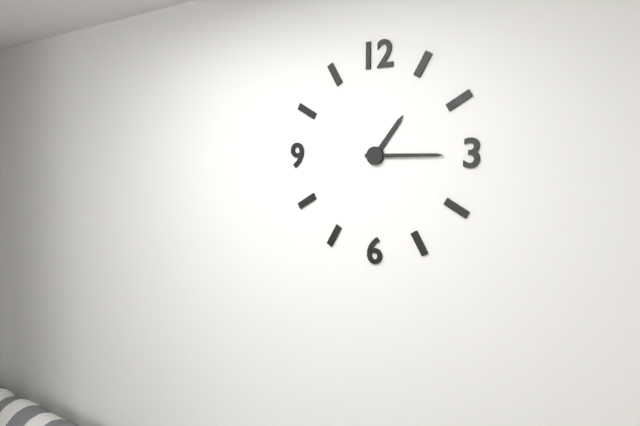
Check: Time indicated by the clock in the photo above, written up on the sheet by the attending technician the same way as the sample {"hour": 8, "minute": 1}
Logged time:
{"hour": 1, "minute": 15}
